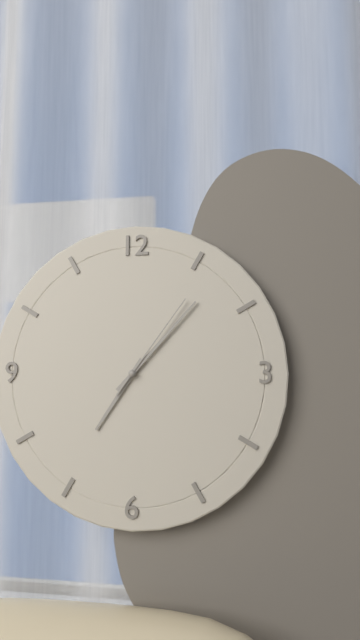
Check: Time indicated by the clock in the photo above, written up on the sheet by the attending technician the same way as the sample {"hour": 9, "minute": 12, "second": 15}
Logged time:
{"hour": 7, "minute": 7, "second": 6}
